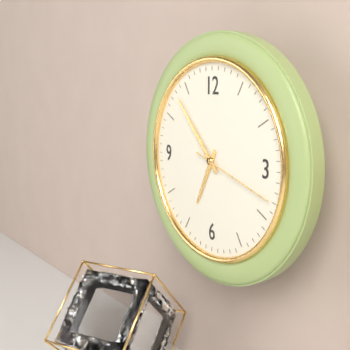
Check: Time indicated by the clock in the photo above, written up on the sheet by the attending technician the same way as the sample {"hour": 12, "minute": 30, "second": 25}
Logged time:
{"hour": 6, "minute": 53, "second": 18}
